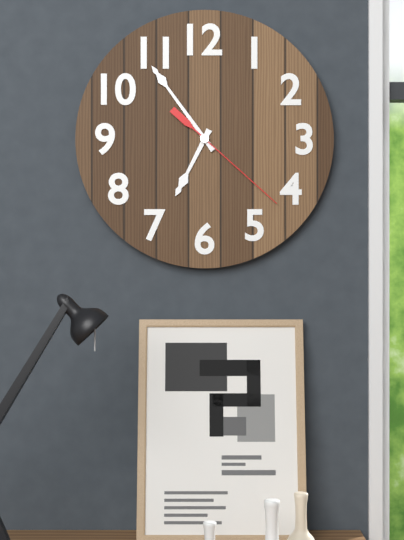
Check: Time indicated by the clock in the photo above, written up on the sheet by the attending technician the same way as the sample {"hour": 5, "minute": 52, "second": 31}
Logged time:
{"hour": 6, "minute": 54, "second": 22}
